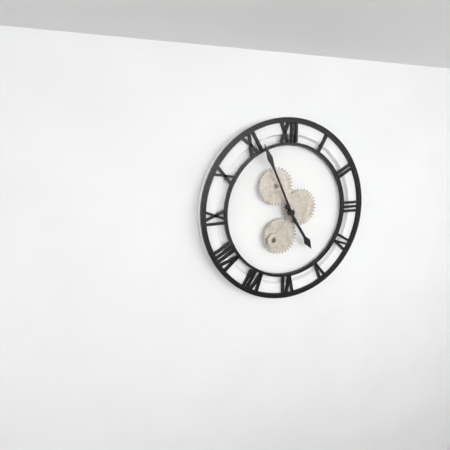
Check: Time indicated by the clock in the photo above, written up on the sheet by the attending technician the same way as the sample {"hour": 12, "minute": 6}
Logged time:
{"hour": 4, "minute": 56}
